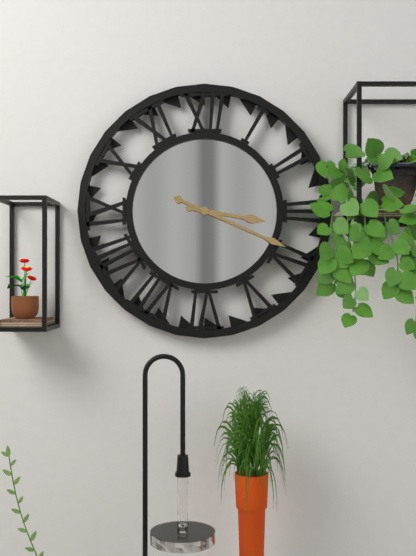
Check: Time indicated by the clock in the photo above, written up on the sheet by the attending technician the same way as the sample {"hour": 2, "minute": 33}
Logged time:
{"hour": 3, "minute": 19}
